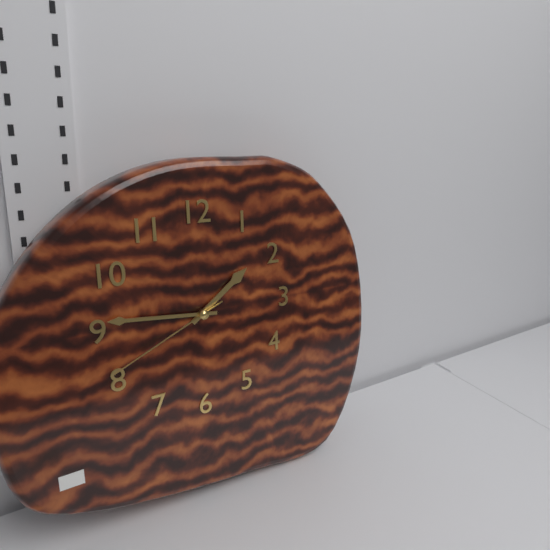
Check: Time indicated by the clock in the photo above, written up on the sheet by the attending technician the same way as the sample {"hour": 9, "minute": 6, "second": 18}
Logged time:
{"hour": 1, "minute": 46, "second": 41}
